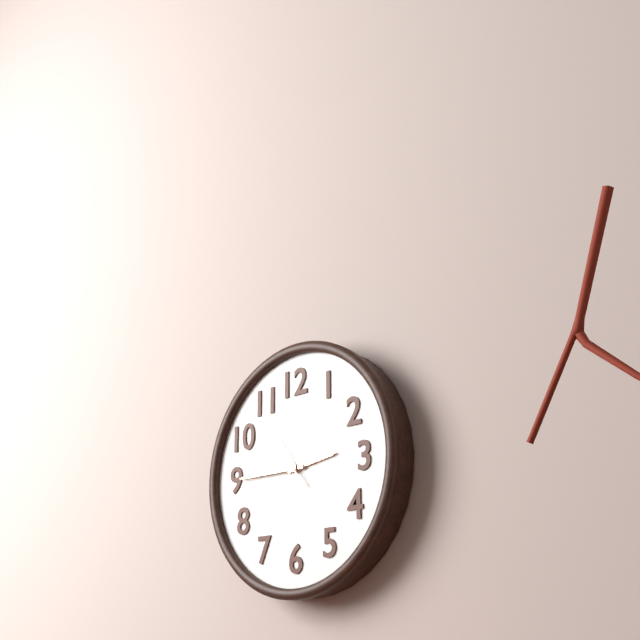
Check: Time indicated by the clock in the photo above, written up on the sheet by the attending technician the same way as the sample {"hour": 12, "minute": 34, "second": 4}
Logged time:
{"hour": 2, "minute": 45, "second": 54}
